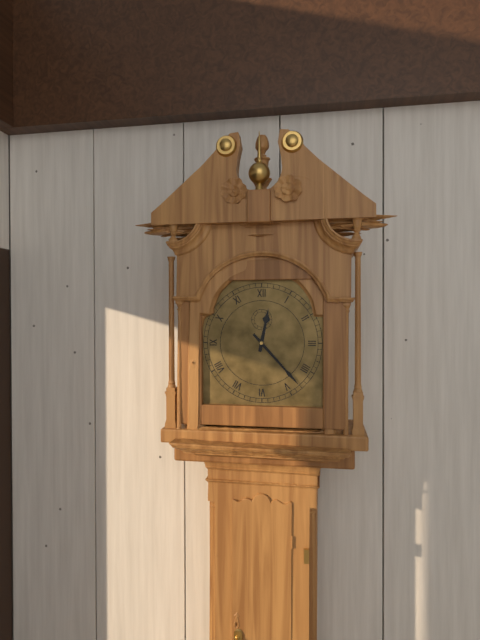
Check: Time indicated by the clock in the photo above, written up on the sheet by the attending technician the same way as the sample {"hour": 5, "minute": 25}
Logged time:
{"hour": 12, "minute": 23}
